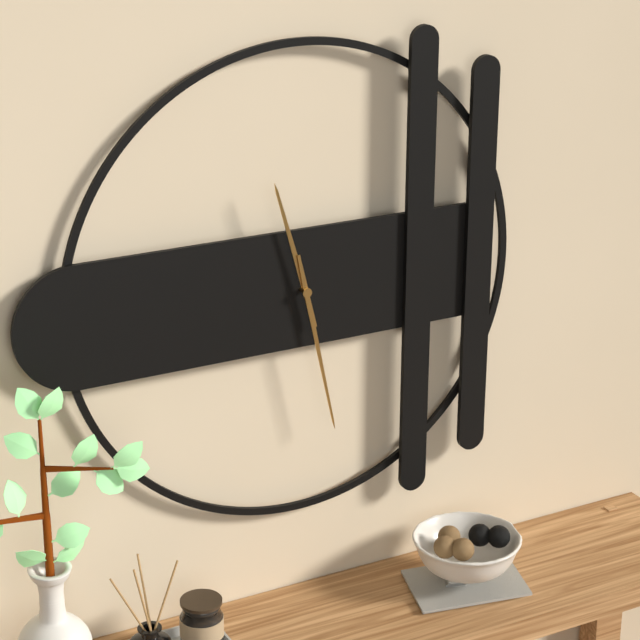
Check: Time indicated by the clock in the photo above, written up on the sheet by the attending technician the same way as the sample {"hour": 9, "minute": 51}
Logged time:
{"hour": 11, "minute": 28}
